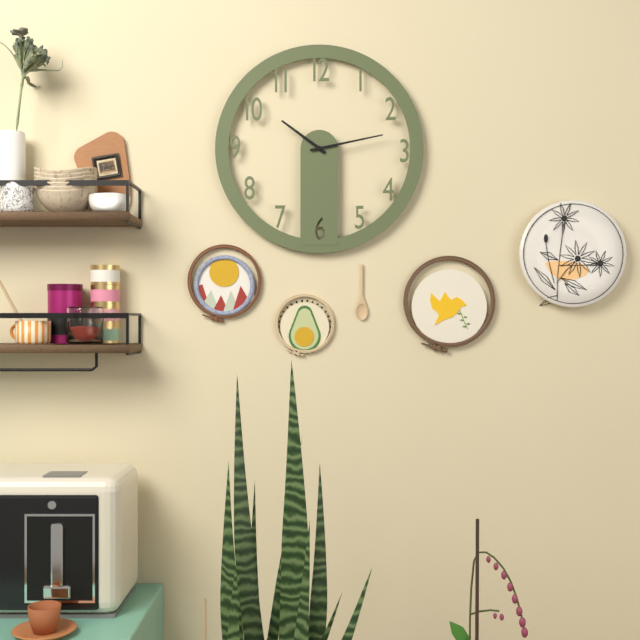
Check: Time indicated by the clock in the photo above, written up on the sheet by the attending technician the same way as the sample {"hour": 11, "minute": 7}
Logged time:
{"hour": 10, "minute": 13}
